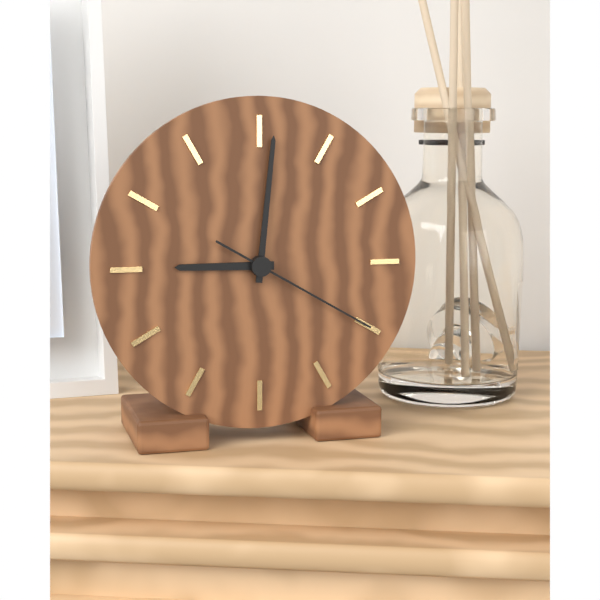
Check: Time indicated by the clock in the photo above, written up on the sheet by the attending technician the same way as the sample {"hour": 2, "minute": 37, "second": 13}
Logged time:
{"hour": 9, "minute": 1, "second": 20}
